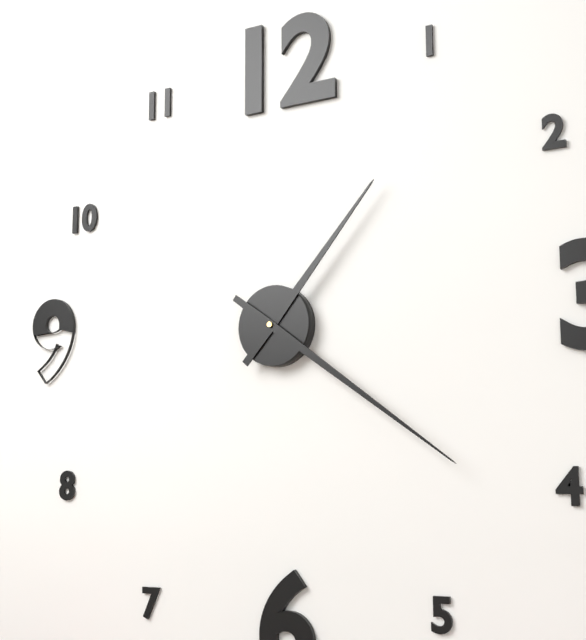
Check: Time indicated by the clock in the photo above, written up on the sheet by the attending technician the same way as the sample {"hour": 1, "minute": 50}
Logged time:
{"hour": 1, "minute": 21}
